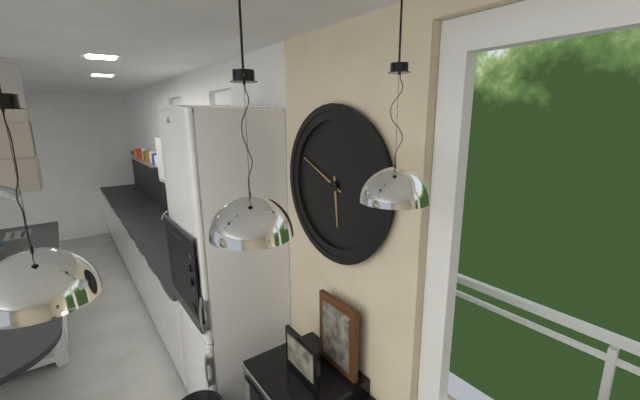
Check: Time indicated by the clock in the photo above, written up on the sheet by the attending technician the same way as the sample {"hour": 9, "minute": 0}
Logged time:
{"hour": 5, "minute": 49}
